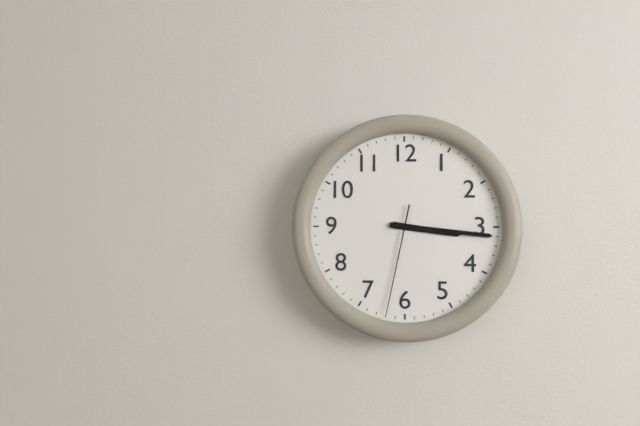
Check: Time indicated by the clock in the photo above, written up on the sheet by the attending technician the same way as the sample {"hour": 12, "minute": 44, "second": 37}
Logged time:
{"hour": 3, "minute": 16, "second": 32}
